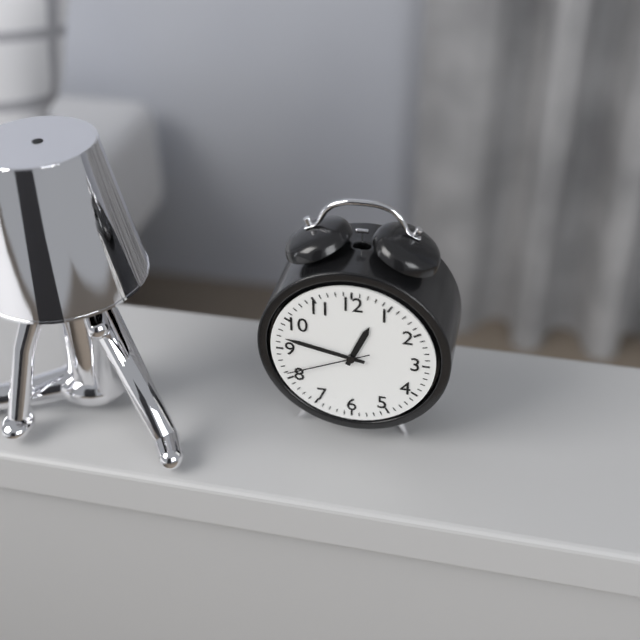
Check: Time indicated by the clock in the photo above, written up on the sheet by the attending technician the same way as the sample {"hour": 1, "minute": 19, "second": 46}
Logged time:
{"hour": 12, "minute": 47, "second": 41}
